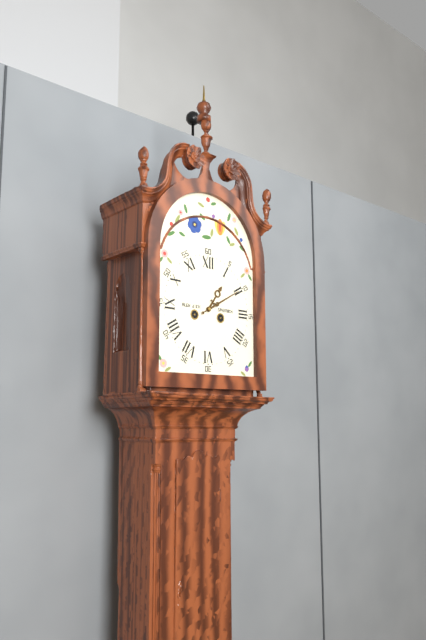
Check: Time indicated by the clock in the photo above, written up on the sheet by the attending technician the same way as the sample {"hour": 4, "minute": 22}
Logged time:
{"hour": 1, "minute": 10}
